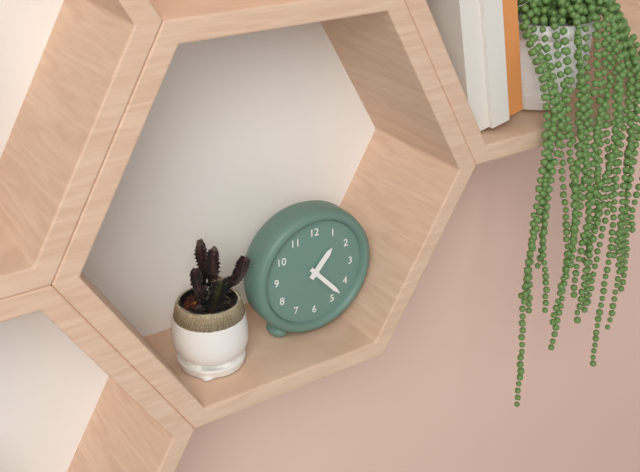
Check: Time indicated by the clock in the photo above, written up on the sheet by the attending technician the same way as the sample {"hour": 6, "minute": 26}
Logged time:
{"hour": 1, "minute": 23}
